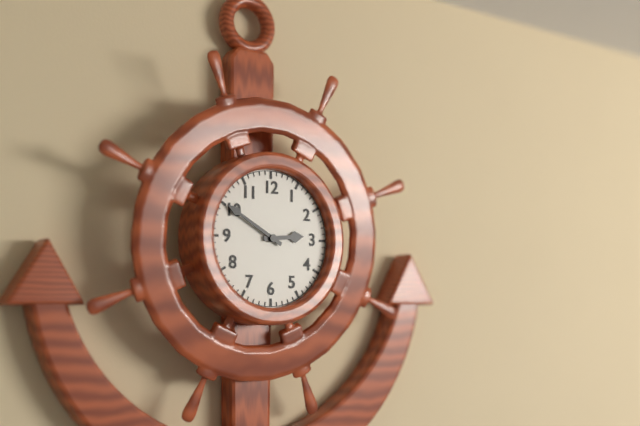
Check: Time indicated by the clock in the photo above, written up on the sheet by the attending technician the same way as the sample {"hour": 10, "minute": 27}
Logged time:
{"hour": 2, "minute": 50}
